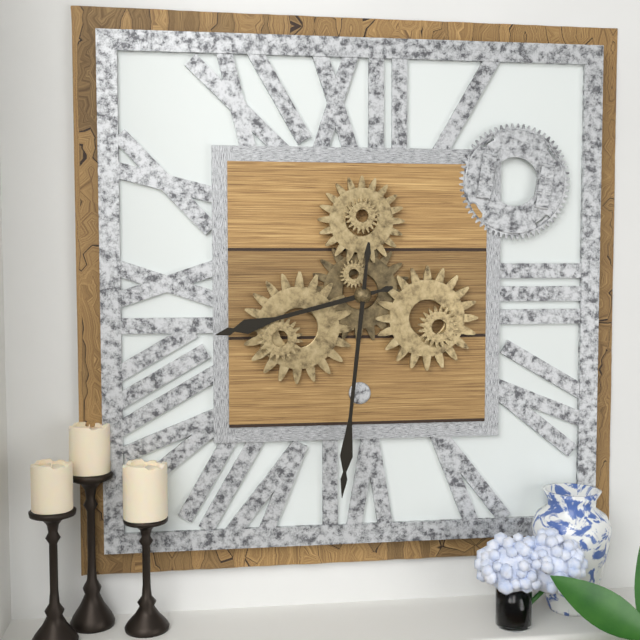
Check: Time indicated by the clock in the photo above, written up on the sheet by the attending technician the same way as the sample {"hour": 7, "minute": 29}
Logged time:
{"hour": 8, "minute": 31}
